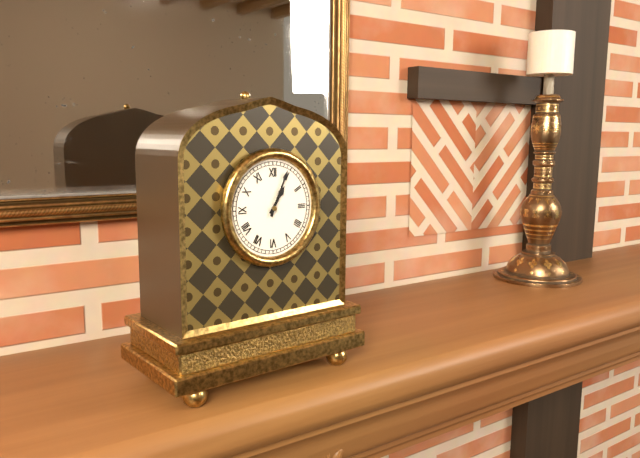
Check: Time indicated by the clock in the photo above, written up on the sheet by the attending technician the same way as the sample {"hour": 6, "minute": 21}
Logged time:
{"hour": 1, "minute": 4}
